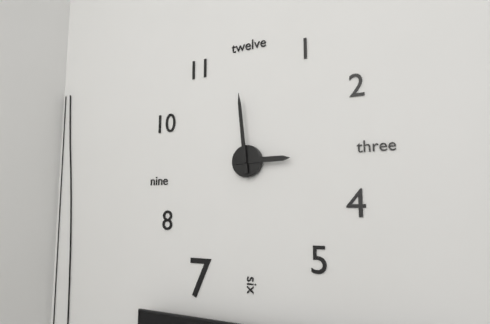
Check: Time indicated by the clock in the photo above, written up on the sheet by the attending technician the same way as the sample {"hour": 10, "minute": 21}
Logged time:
{"hour": 2, "minute": 59}
